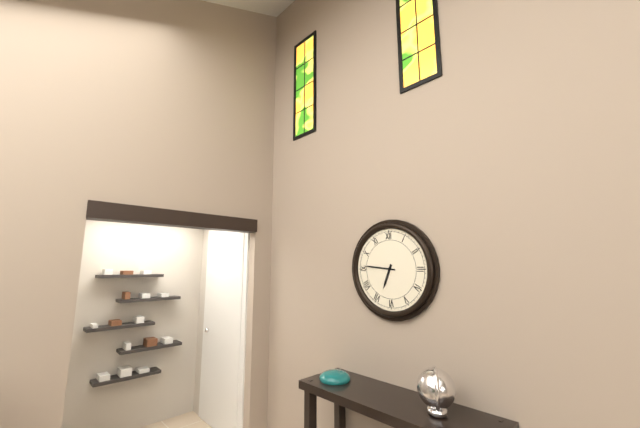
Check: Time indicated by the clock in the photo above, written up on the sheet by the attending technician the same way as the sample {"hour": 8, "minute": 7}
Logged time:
{"hour": 6, "minute": 46}
